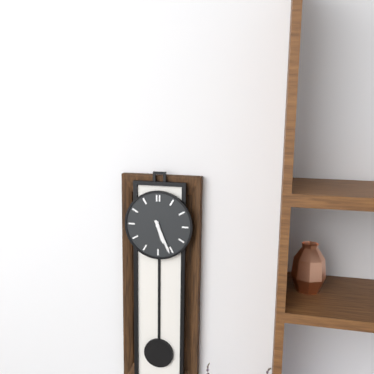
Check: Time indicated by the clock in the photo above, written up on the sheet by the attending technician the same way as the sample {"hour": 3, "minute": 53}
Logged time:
{"hour": 5, "minute": 26}
